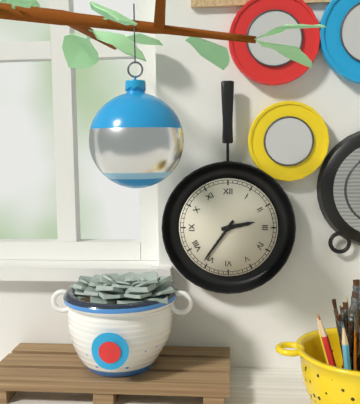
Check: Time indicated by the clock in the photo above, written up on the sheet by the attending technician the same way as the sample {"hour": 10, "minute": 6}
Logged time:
{"hour": 2, "minute": 36}
